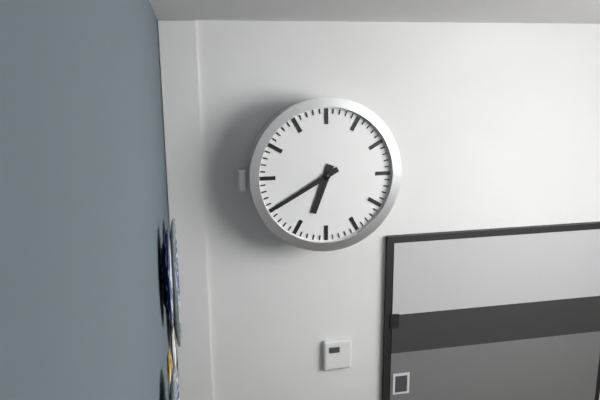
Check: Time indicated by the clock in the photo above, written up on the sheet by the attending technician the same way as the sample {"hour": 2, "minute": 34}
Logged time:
{"hour": 6, "minute": 40}
